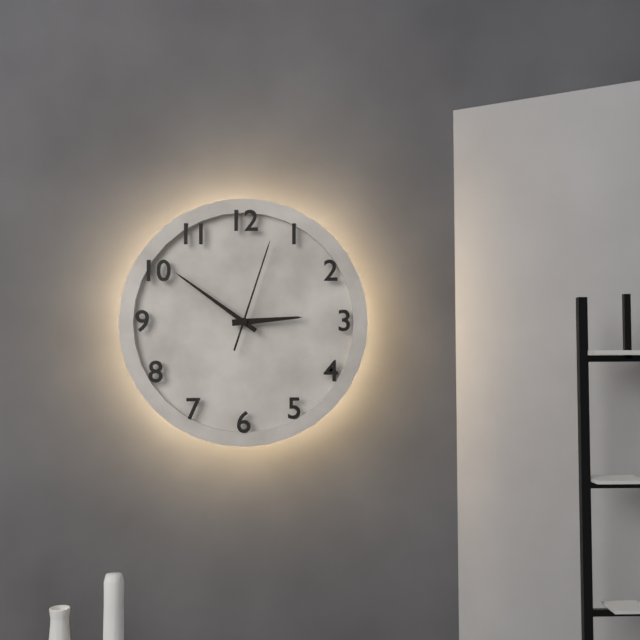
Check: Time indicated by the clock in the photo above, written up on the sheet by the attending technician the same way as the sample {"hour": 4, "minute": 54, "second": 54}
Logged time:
{"hour": 2, "minute": 51, "second": 3}
